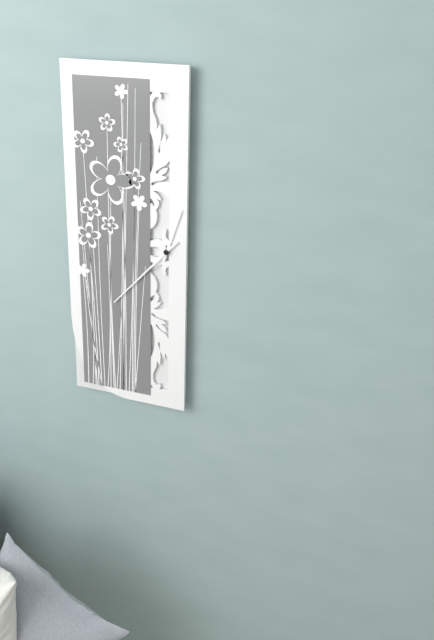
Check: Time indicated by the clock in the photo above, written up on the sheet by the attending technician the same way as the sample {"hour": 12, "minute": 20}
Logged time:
{"hour": 12, "minute": 37}
